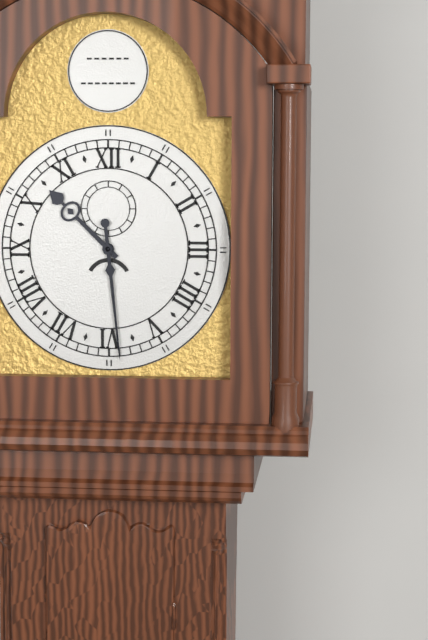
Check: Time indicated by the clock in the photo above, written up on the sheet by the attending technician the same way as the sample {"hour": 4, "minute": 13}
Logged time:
{"hour": 10, "minute": 29}
